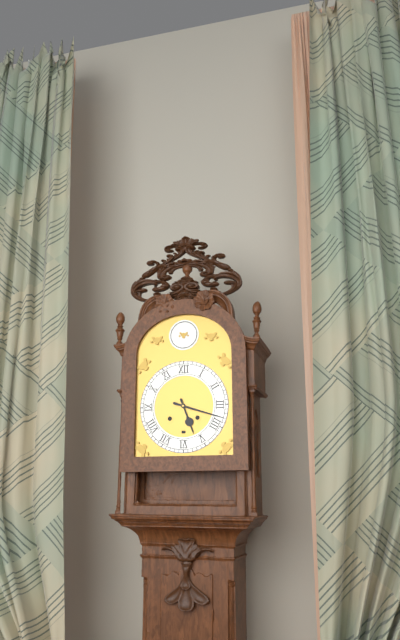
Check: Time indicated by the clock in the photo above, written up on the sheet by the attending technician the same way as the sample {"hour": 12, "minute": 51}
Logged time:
{"hour": 5, "minute": 18}
